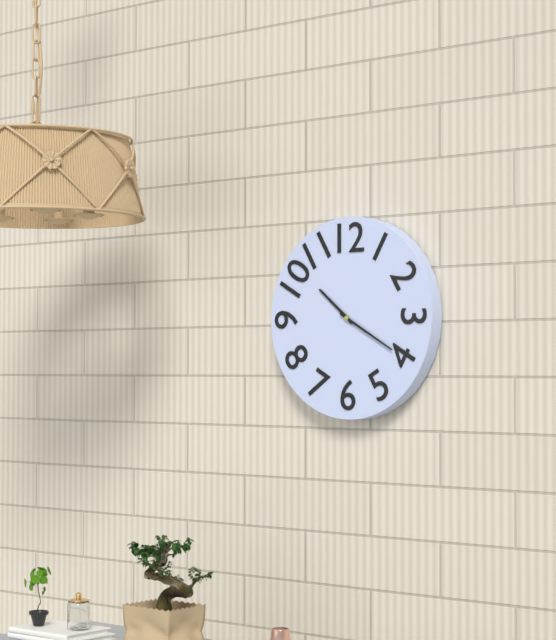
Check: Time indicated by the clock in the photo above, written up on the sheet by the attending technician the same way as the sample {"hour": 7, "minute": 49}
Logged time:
{"hour": 10, "minute": 20}
